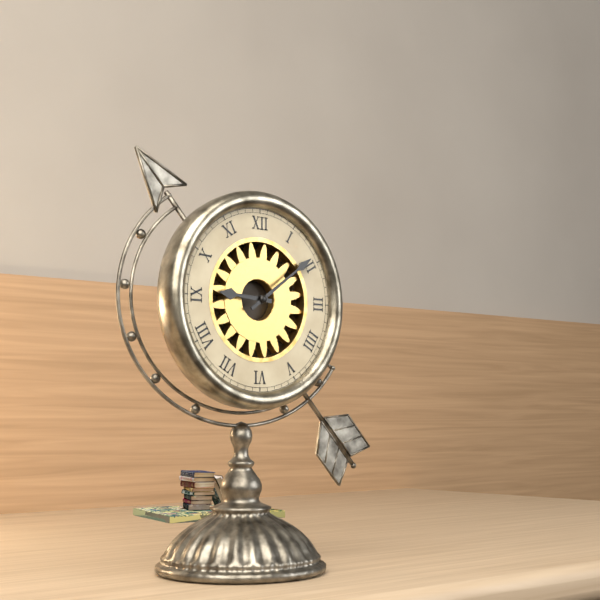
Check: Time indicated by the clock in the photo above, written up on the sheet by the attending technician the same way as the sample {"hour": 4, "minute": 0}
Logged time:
{"hour": 9, "minute": 9}
